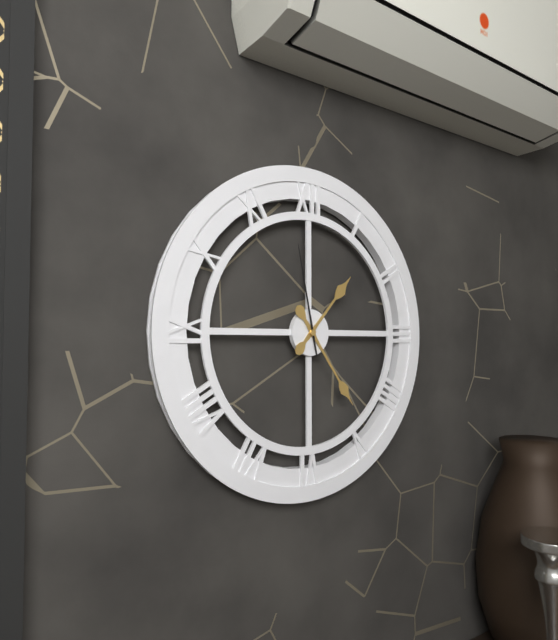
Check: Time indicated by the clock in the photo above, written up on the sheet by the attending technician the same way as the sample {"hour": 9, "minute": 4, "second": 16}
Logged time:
{"hour": 1, "minute": 24, "second": 58}
